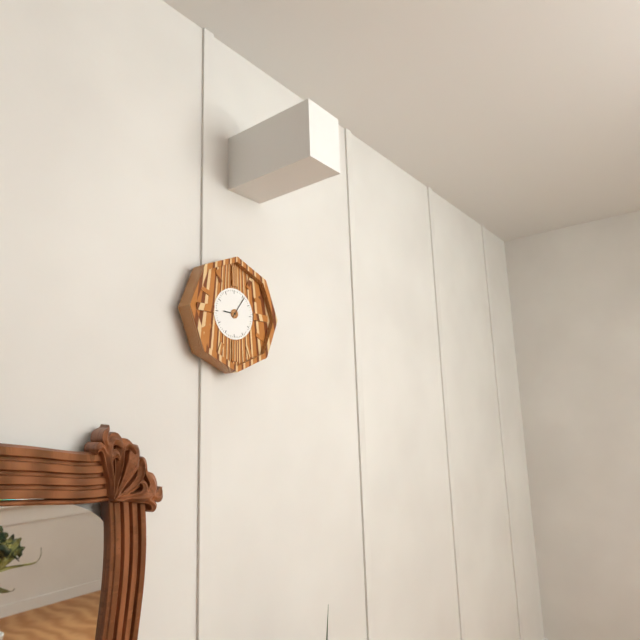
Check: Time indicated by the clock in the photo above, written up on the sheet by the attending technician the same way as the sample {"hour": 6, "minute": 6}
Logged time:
{"hour": 9, "minute": 6}
